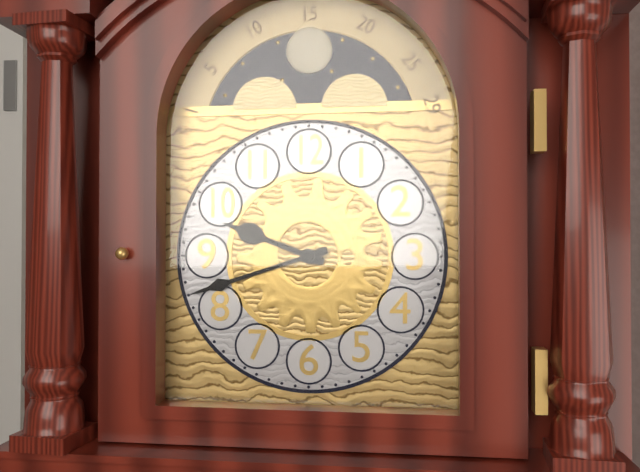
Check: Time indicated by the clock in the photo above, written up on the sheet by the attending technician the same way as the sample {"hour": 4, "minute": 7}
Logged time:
{"hour": 9, "minute": 42}
